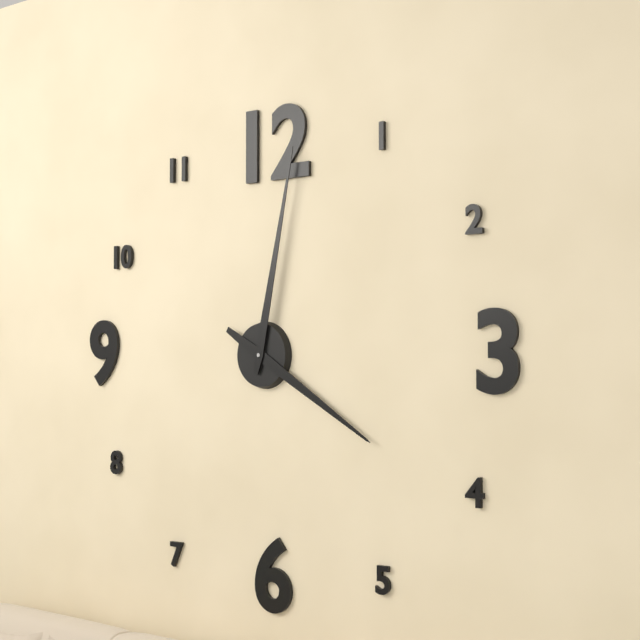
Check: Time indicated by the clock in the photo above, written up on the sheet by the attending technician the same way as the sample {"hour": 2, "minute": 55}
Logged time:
{"hour": 4, "minute": 2}
